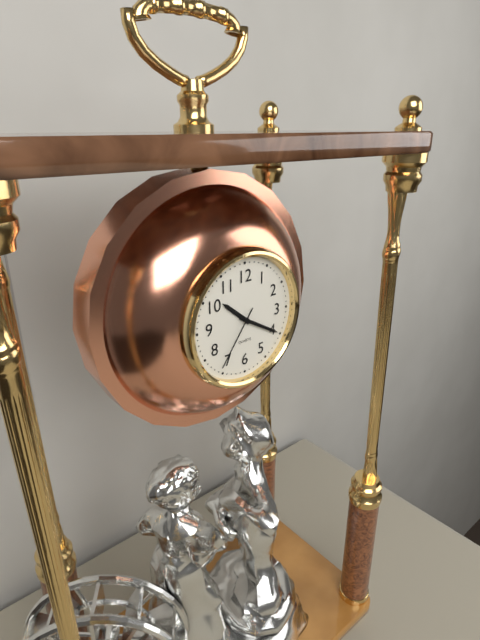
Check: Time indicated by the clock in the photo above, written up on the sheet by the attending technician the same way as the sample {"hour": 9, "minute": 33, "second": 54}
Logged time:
{"hour": 10, "minute": 20, "second": 36}
